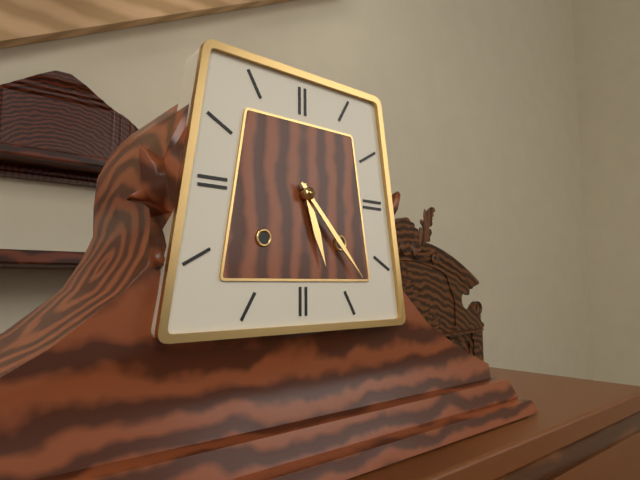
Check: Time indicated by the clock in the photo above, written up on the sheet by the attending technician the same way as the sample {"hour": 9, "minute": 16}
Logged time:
{"hour": 5, "minute": 23}
